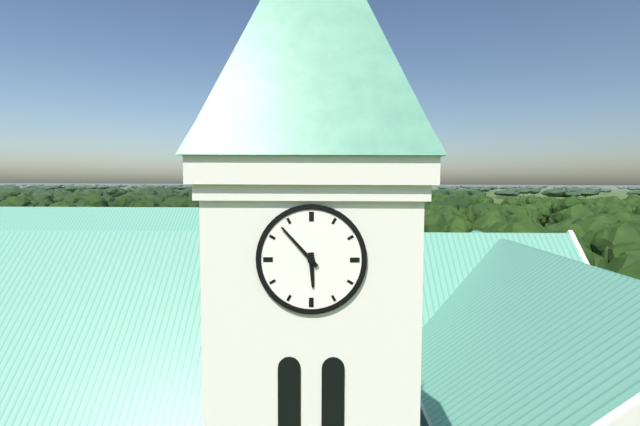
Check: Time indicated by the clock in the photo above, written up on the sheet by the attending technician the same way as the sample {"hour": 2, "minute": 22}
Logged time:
{"hour": 5, "minute": 53}
